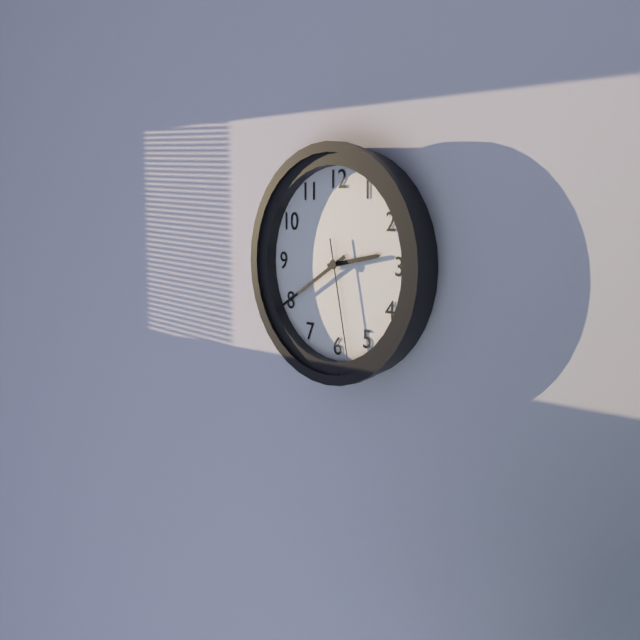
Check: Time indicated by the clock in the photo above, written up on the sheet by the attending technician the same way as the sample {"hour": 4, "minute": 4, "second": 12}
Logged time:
{"hour": 2, "minute": 40, "second": 28}
